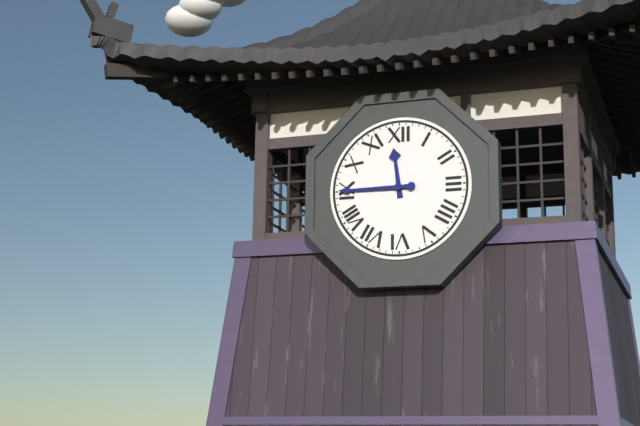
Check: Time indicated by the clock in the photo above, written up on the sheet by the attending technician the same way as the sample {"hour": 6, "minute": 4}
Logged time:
{"hour": 11, "minute": 45}
